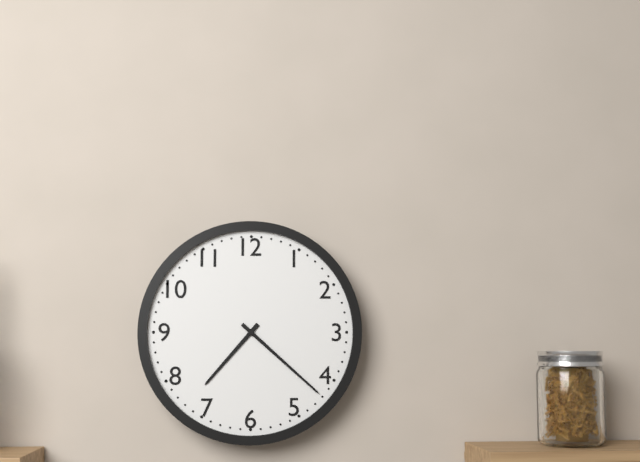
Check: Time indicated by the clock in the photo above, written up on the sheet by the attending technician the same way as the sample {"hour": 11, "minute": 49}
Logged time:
{"hour": 7, "minute": 22}
